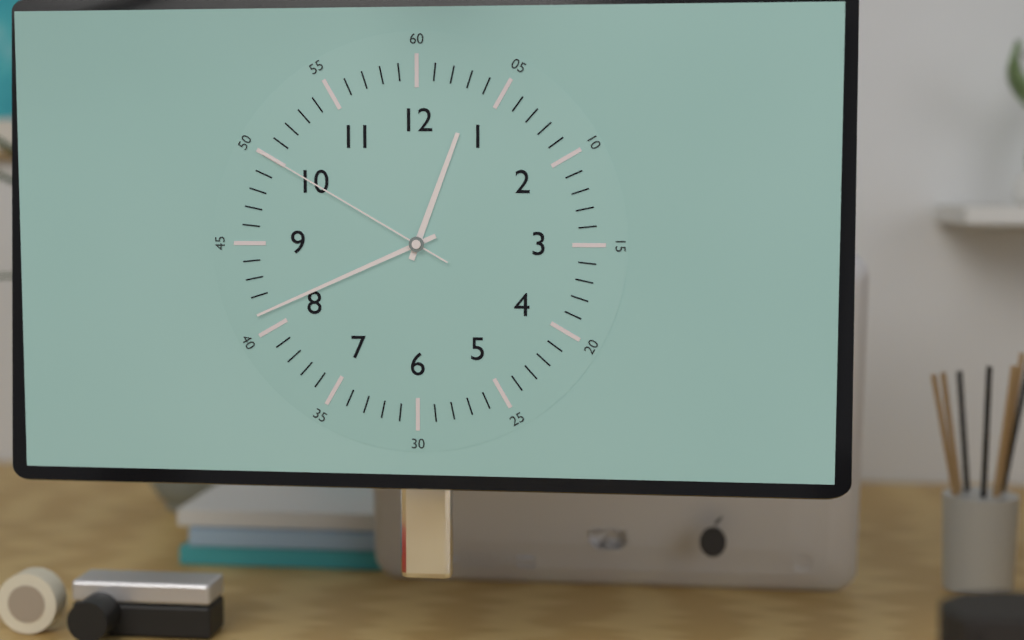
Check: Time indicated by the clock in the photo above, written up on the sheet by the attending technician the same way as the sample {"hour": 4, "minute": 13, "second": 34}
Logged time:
{"hour": 12, "minute": 41, "second": 50}
